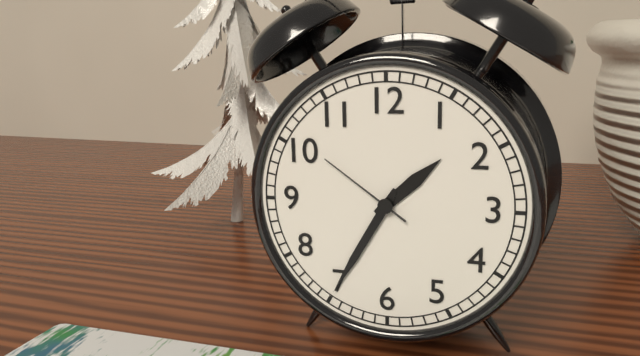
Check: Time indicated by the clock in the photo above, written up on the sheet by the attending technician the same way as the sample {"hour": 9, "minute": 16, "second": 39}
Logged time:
{"hour": 1, "minute": 35, "second": 51}
